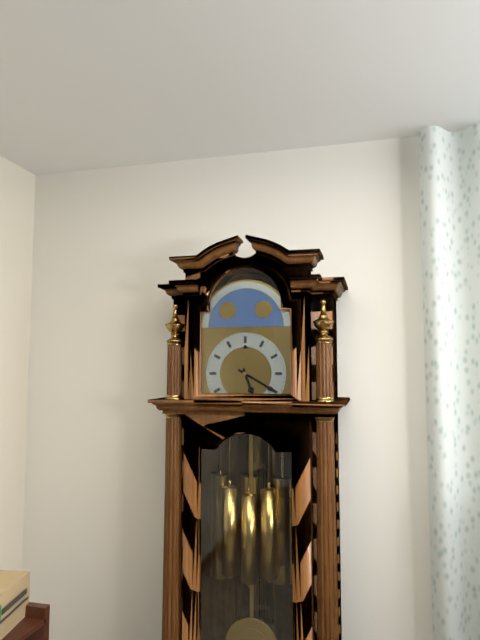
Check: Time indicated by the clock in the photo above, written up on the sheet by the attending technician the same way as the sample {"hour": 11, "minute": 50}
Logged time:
{"hour": 5, "minute": 20}
